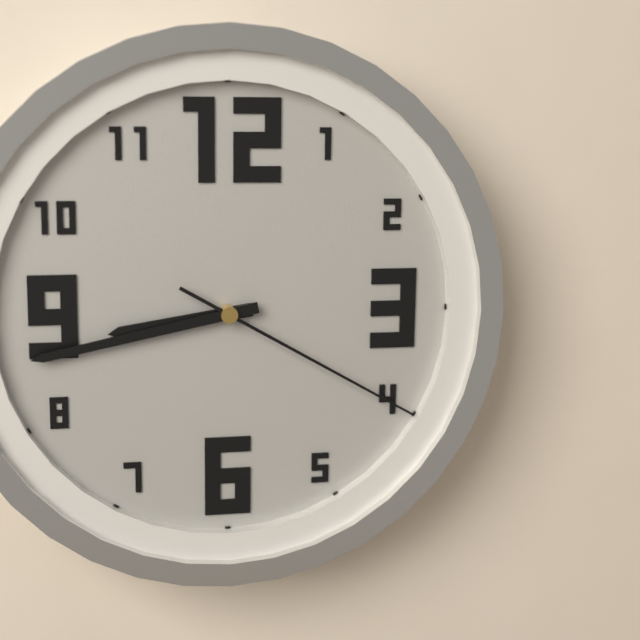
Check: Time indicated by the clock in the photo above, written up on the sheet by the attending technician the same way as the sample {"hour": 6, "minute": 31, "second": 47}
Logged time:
{"hour": 8, "minute": 43, "second": 20}
